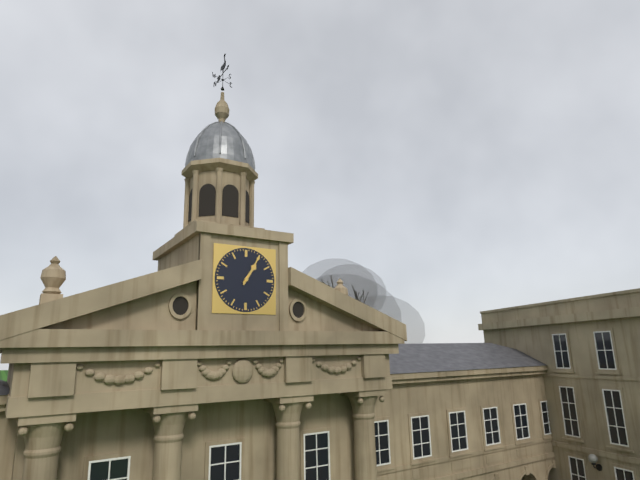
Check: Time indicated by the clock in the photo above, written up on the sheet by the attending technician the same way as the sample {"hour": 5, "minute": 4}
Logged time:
{"hour": 1, "minute": 5}
